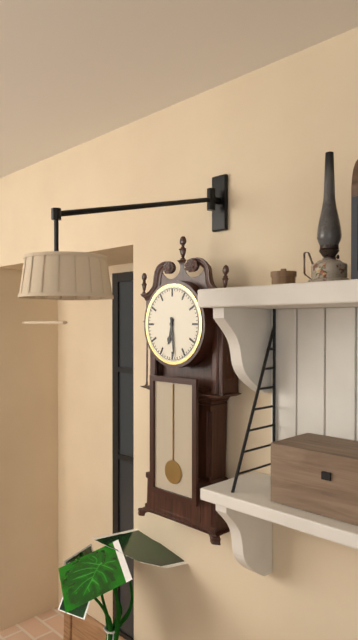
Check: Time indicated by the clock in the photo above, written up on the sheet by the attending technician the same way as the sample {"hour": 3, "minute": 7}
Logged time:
{"hour": 6, "minute": 29}
